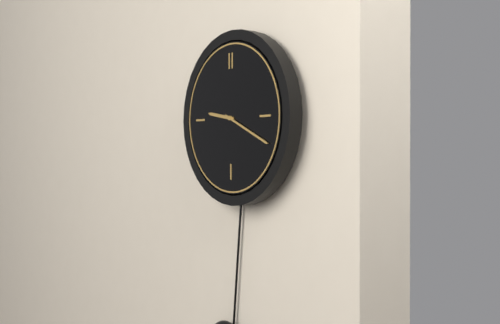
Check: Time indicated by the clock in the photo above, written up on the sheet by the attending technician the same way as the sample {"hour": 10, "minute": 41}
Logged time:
{"hour": 9, "minute": 19}
